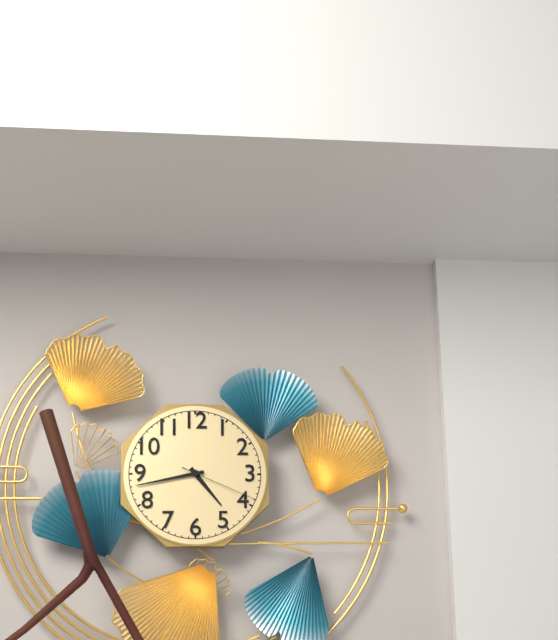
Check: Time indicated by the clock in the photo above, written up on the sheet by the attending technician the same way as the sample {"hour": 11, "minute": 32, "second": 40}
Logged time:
{"hour": 4, "minute": 43, "second": 19}
